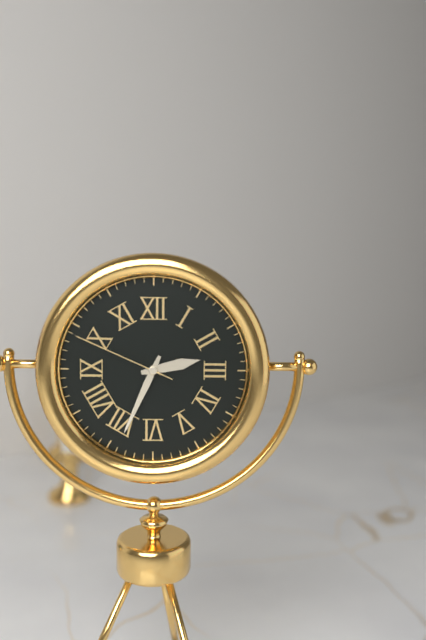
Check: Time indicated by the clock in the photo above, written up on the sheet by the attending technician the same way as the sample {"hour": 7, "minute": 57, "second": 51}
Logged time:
{"hour": 2, "minute": 34, "second": 49}
